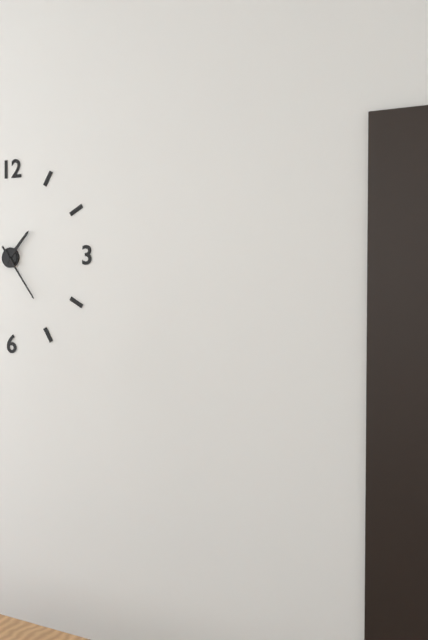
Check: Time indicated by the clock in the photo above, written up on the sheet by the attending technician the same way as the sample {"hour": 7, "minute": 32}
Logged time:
{"hour": 1, "minute": 24}
